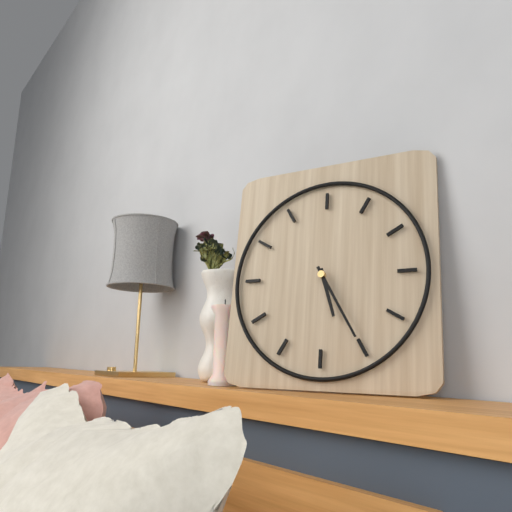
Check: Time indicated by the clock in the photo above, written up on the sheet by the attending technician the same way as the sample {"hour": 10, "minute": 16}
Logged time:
{"hour": 5, "minute": 25}
